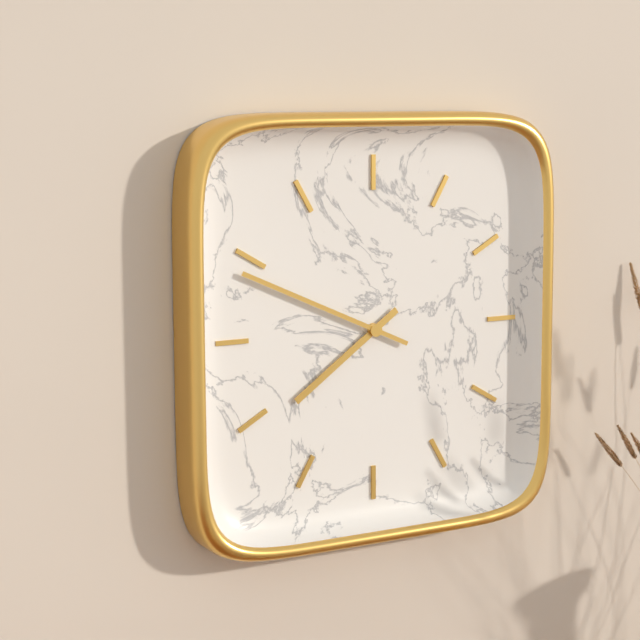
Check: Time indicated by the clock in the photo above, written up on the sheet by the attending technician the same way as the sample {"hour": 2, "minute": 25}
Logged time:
{"hour": 7, "minute": 49}
